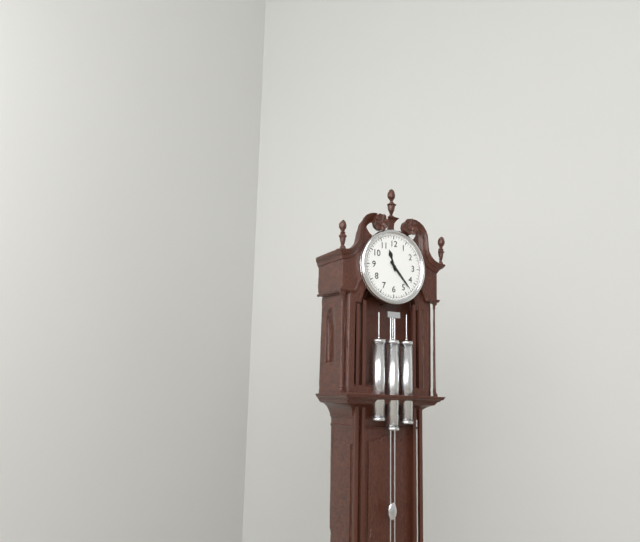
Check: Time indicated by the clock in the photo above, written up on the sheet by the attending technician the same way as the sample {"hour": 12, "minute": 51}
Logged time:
{"hour": 11, "minute": 23}
